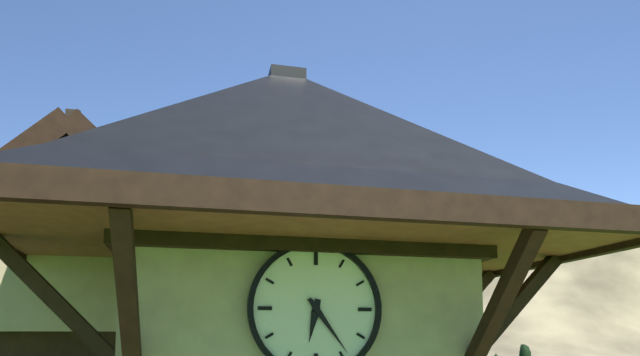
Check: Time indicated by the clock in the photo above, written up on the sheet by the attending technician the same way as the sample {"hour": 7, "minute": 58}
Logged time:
{"hour": 6, "minute": 24}
